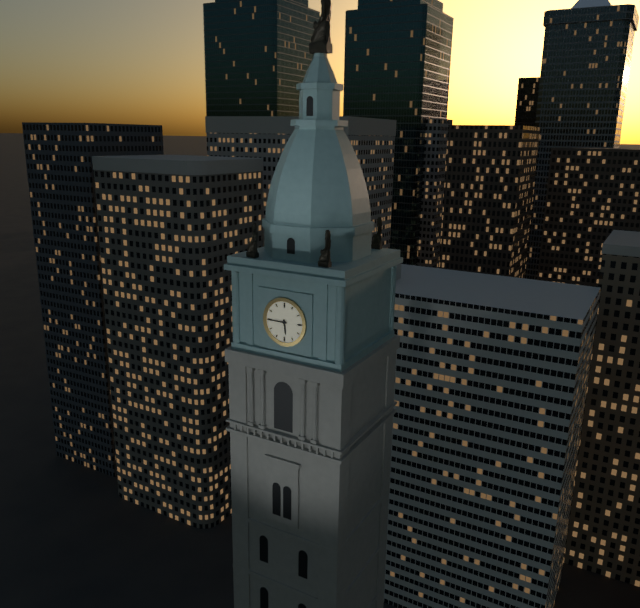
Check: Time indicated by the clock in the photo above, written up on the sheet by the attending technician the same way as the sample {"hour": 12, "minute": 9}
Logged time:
{"hour": 5, "minute": 45}
